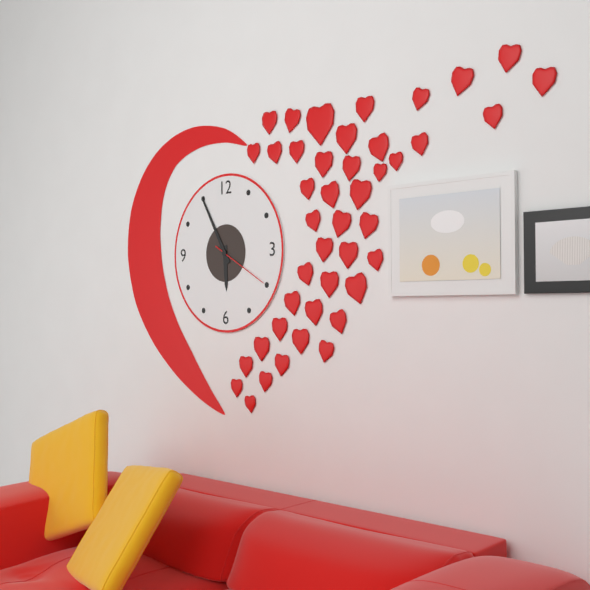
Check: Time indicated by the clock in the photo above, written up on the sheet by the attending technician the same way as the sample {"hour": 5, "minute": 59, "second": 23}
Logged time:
{"hour": 5, "minute": 55, "second": 20}
